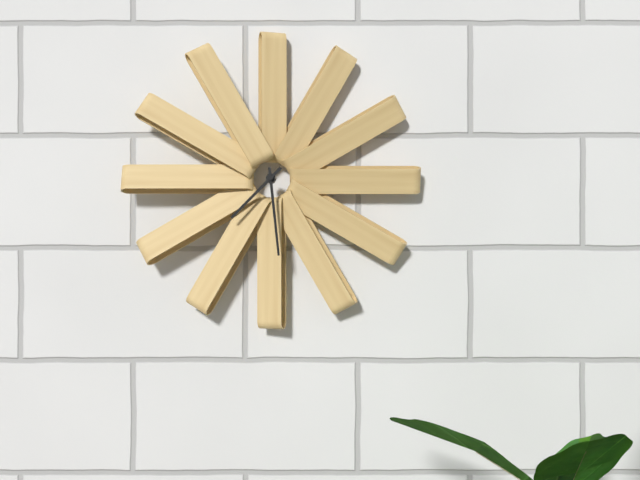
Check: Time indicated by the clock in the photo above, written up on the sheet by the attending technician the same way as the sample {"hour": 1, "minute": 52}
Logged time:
{"hour": 7, "minute": 29}
